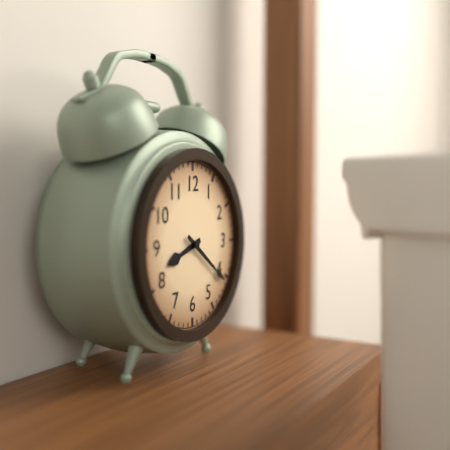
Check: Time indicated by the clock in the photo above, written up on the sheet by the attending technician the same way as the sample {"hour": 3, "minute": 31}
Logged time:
{"hour": 8, "minute": 21}
